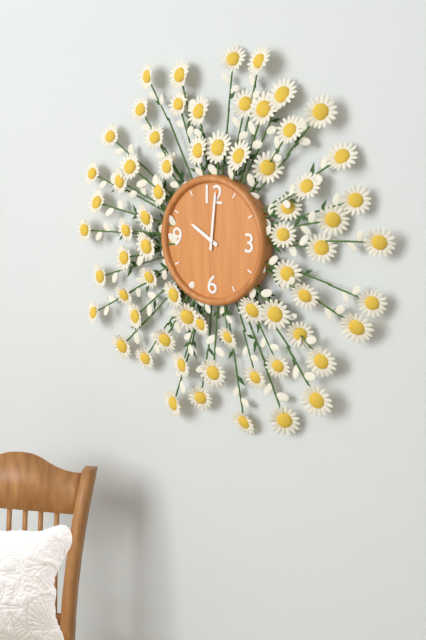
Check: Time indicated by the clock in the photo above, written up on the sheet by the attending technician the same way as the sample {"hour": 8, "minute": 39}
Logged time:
{"hour": 10, "minute": 1}
